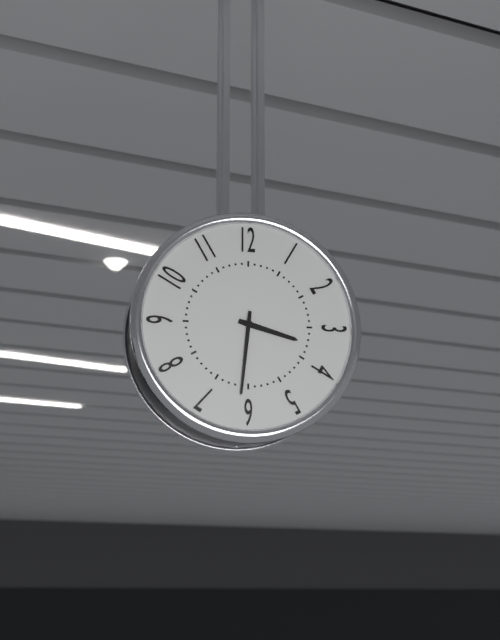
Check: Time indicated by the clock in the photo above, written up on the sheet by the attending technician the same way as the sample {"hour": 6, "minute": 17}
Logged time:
{"hour": 3, "minute": 31}
